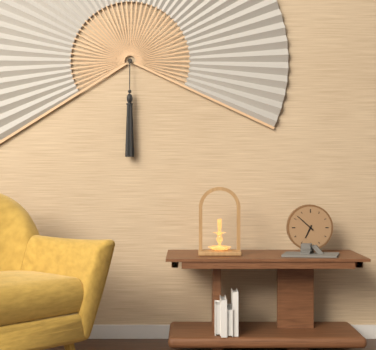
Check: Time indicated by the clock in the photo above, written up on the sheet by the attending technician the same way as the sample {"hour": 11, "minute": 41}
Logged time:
{"hour": 6, "minute": 52}
